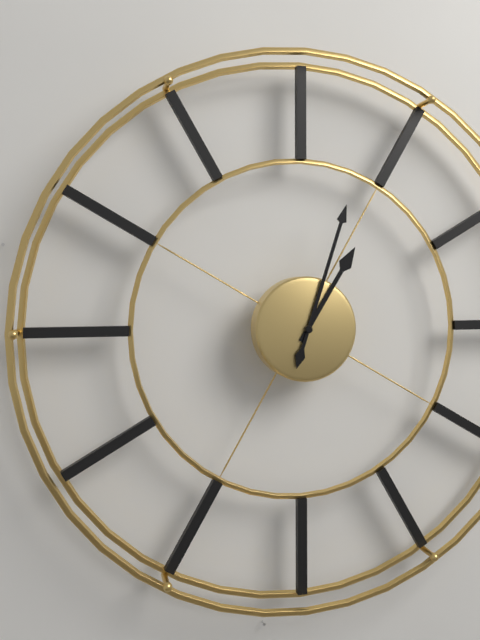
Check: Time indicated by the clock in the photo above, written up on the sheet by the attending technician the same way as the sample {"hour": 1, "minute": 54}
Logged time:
{"hour": 1, "minute": 3}
